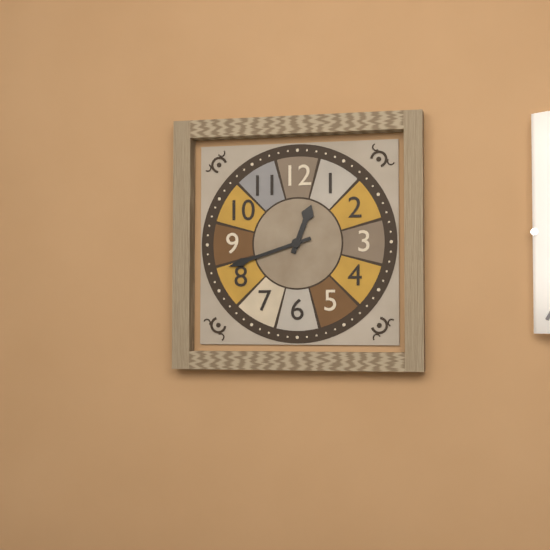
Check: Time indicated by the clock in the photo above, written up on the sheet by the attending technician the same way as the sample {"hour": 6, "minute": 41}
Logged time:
{"hour": 12, "minute": 42}
